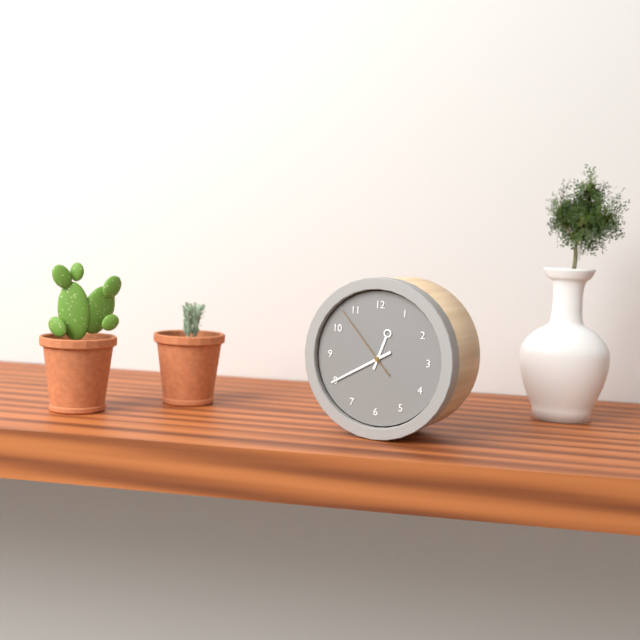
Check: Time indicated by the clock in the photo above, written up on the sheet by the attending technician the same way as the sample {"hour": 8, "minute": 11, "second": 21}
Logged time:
{"hour": 12, "minute": 40, "second": 53}
